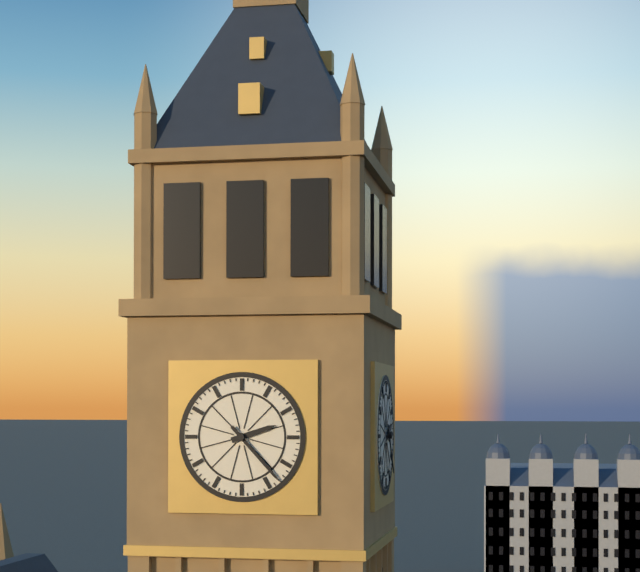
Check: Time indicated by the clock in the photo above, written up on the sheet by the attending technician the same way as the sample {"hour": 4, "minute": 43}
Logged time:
{"hour": 2, "minute": 23}
